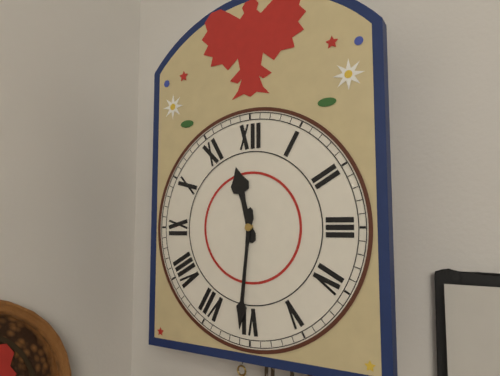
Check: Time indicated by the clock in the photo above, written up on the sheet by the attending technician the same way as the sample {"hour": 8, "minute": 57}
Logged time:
{"hour": 11, "minute": 31}
